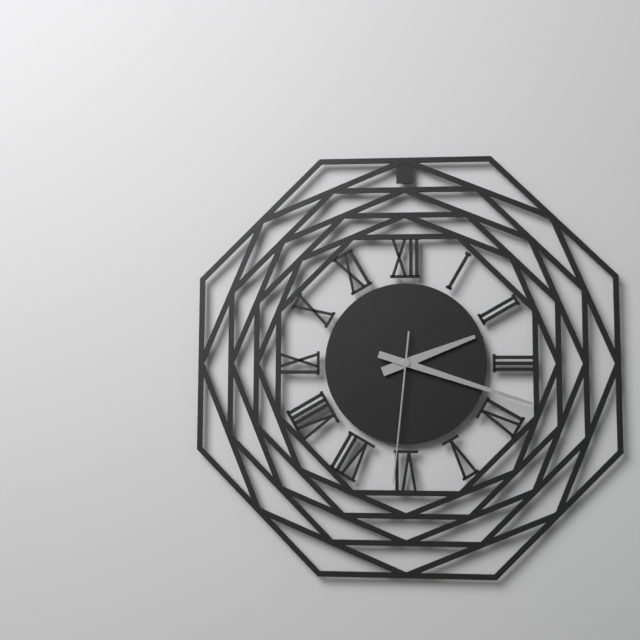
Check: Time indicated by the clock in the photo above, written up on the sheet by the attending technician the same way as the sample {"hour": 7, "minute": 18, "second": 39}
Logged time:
{"hour": 2, "minute": 18, "second": 31}
